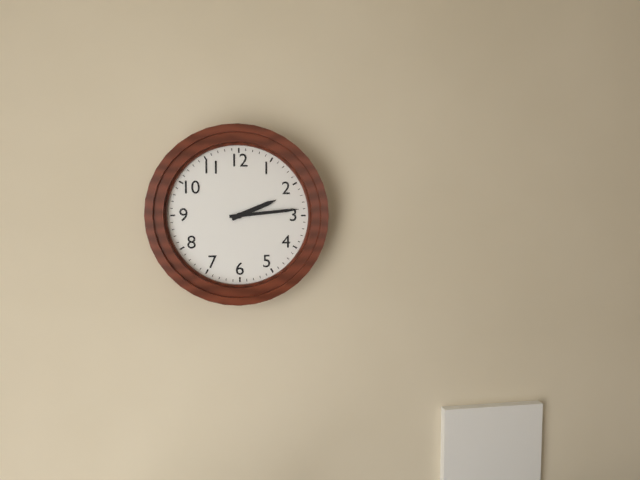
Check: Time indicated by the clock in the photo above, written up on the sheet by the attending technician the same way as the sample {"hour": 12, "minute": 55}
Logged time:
{"hour": 2, "minute": 14}
